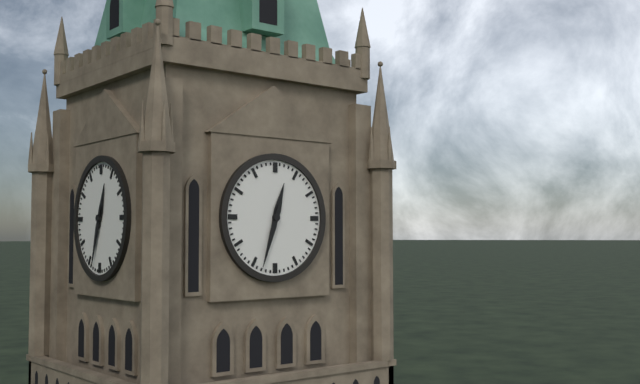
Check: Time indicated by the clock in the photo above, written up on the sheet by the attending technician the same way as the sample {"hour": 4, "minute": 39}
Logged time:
{"hour": 12, "minute": 33}
